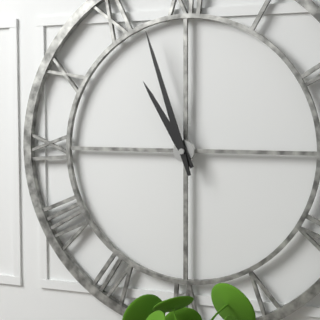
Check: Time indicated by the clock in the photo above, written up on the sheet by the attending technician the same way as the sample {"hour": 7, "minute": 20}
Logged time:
{"hour": 10, "minute": 57}
